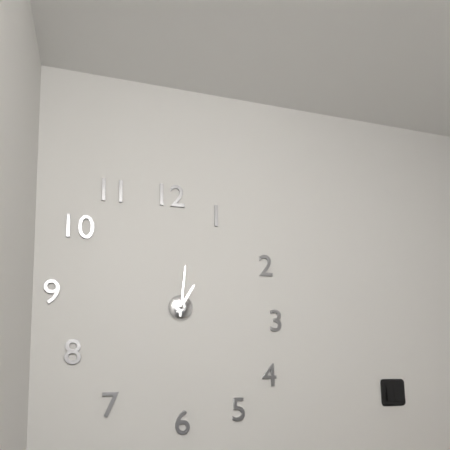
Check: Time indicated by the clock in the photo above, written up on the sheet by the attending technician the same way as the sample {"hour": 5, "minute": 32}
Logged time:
{"hour": 1, "minute": 1}
